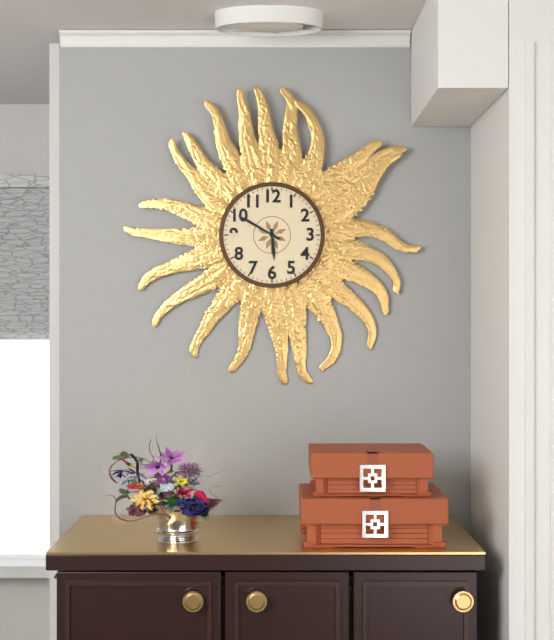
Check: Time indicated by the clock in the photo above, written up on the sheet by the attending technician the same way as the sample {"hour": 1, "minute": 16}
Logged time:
{"hour": 5, "minute": 50}
